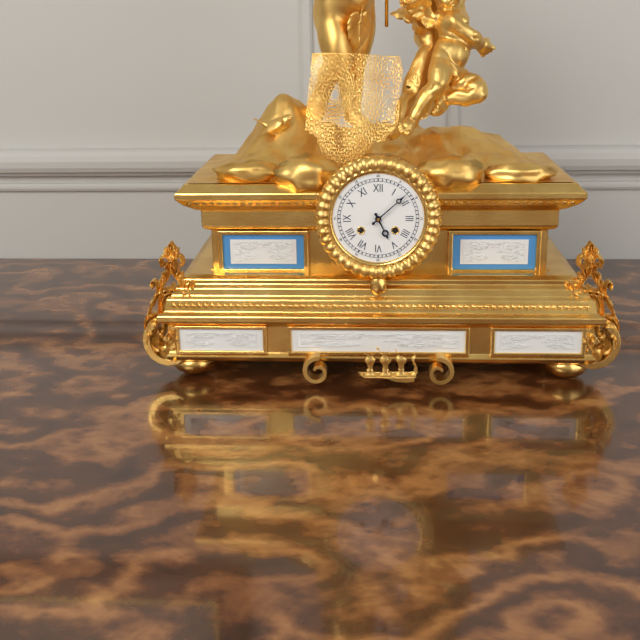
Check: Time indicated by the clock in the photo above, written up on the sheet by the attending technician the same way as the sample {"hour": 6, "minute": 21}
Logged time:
{"hour": 5, "minute": 8}
